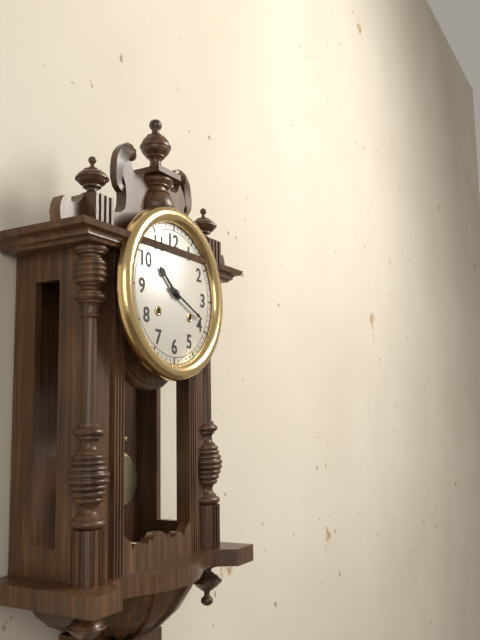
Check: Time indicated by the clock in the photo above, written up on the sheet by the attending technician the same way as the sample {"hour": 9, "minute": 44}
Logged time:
{"hour": 10, "minute": 19}
